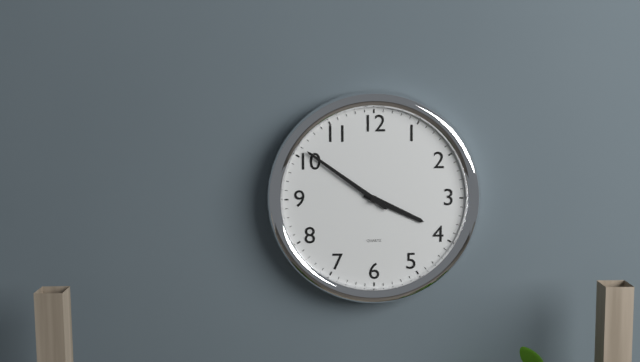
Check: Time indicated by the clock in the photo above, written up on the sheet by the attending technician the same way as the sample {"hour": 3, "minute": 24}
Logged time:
{"hour": 3, "minute": 51}
